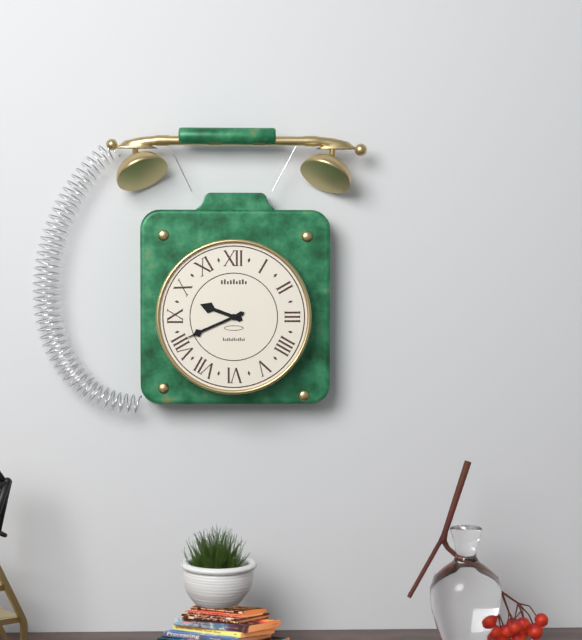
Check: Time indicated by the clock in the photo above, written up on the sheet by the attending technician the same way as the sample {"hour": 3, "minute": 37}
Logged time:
{"hour": 9, "minute": 41}
